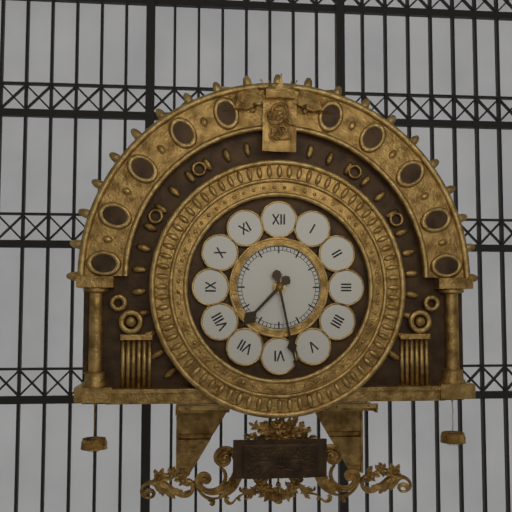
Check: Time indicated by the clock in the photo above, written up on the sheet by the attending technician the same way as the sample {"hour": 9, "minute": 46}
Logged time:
{"hour": 7, "minute": 28}
